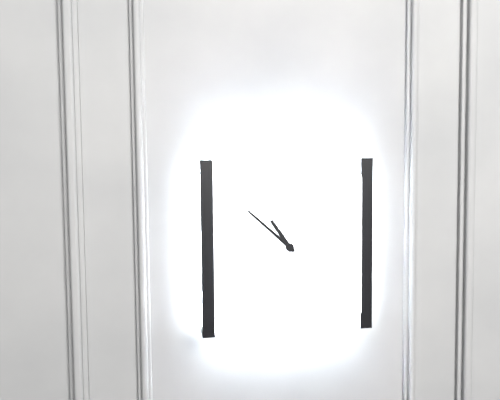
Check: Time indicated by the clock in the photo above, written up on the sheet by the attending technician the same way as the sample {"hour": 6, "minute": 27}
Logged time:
{"hour": 10, "minute": 52}
